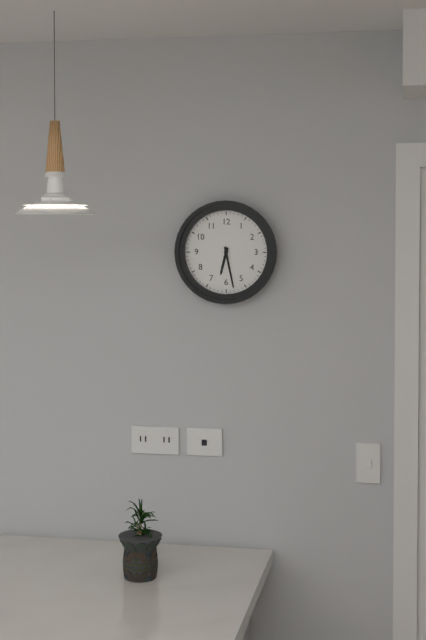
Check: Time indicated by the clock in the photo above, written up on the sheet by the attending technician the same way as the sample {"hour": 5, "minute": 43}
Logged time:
{"hour": 6, "minute": 28}
